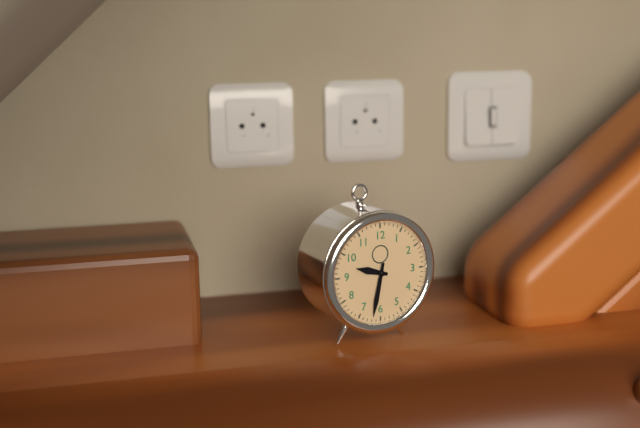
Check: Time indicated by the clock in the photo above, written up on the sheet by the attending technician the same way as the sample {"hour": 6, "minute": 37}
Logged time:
{"hour": 9, "minute": 32}
